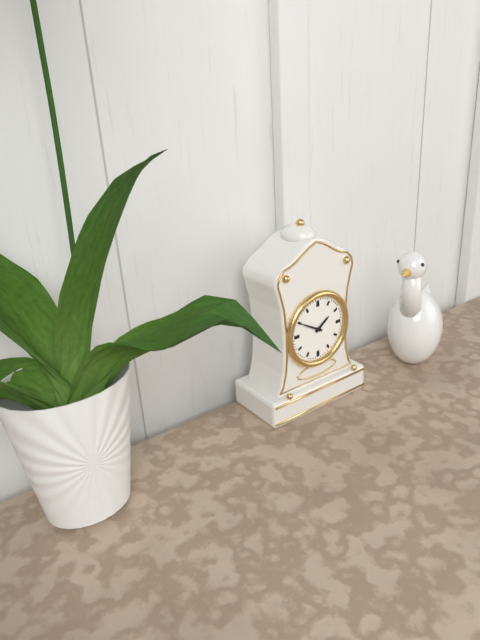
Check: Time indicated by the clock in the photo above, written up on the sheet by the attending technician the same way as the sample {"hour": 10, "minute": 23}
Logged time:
{"hour": 1, "minute": 50}
